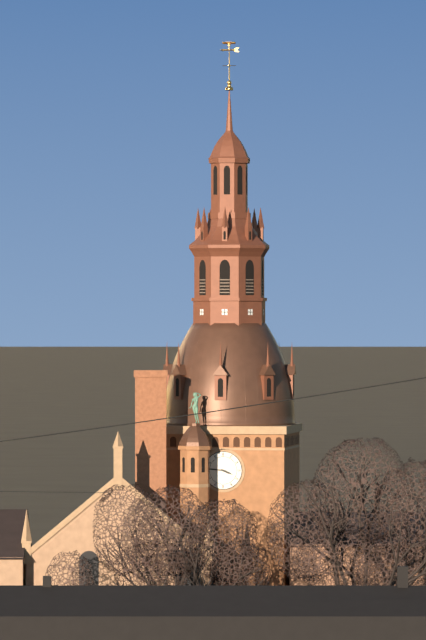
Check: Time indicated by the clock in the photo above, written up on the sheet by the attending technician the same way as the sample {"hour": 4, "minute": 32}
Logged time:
{"hour": 3, "minute": 46}
